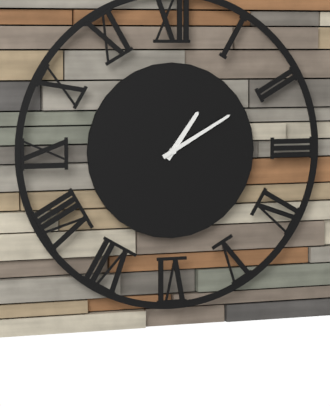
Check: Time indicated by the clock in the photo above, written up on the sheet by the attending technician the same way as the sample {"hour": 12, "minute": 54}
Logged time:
{"hour": 1, "minute": 10}
